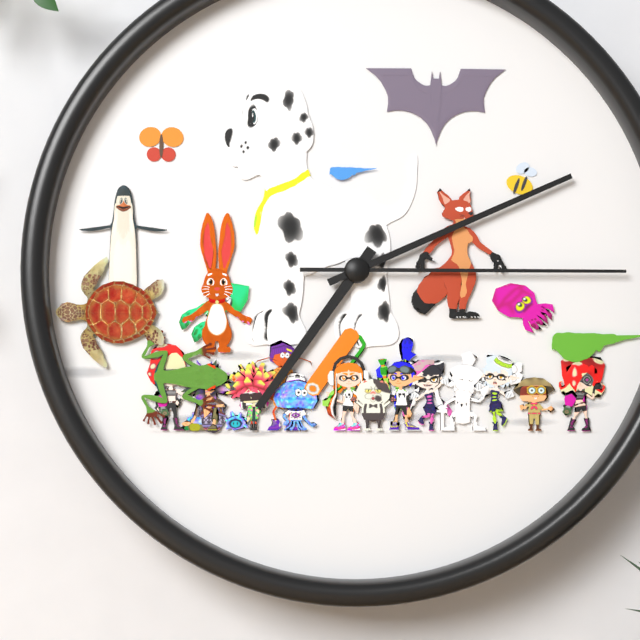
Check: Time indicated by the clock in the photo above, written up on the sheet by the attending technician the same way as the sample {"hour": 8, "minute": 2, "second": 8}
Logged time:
{"hour": 7, "minute": 11, "second": 15}
